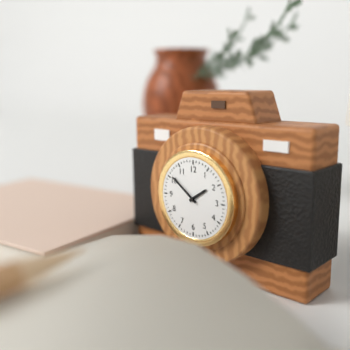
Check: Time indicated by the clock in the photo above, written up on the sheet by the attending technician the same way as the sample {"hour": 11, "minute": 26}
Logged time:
{"hour": 1, "minute": 51}
